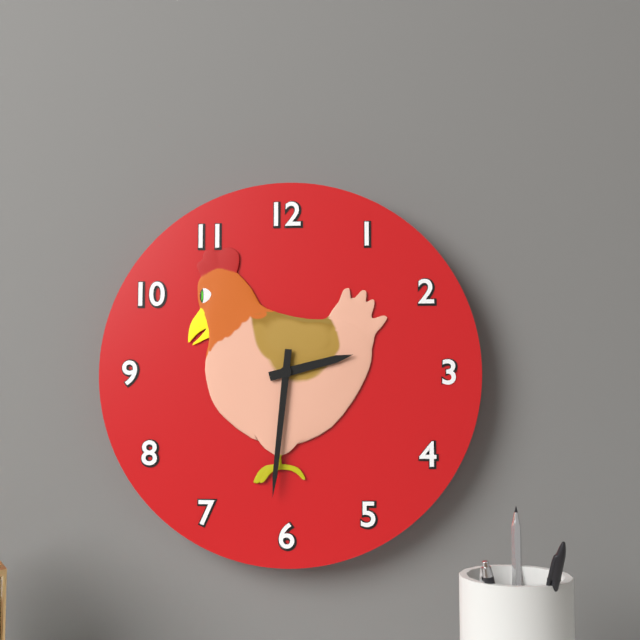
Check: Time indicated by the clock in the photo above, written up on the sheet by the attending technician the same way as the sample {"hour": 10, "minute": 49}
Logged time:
{"hour": 2, "minute": 31}
